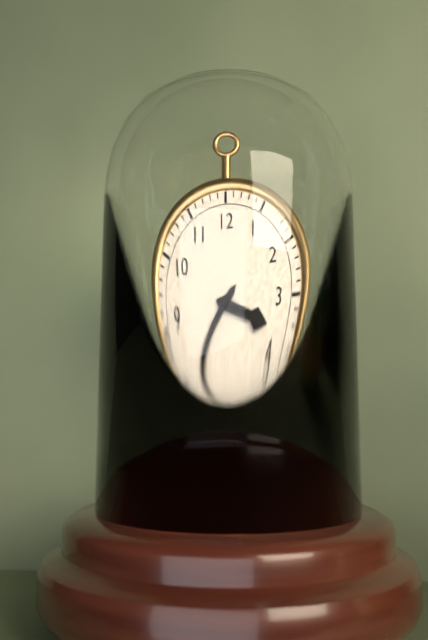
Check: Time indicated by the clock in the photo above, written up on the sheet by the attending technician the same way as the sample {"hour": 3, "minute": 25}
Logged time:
{"hour": 3, "minute": 38}
